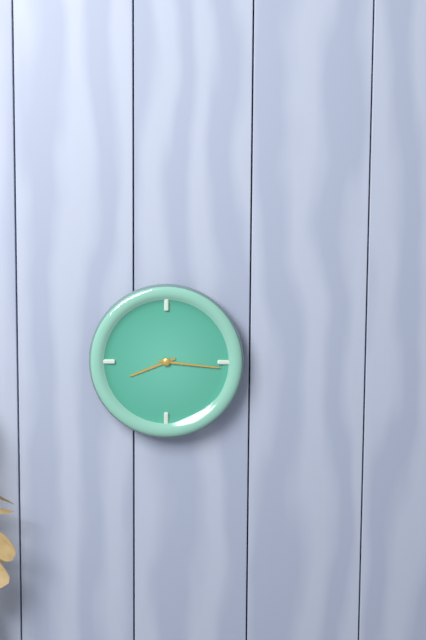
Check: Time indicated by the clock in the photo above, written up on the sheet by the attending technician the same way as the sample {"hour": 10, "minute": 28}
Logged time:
{"hour": 8, "minute": 16}
